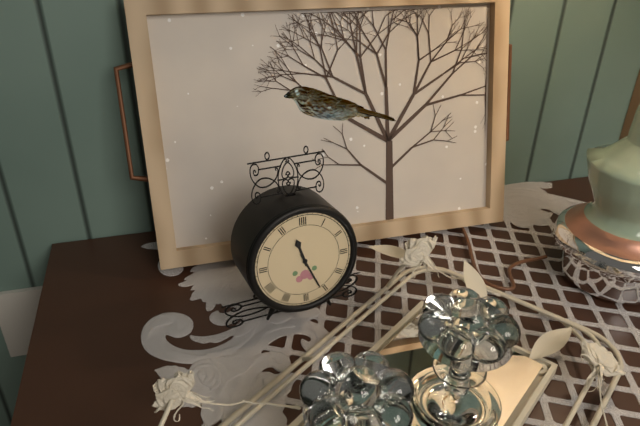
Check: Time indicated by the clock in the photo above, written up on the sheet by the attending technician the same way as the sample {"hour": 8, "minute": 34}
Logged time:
{"hour": 11, "minute": 26}
